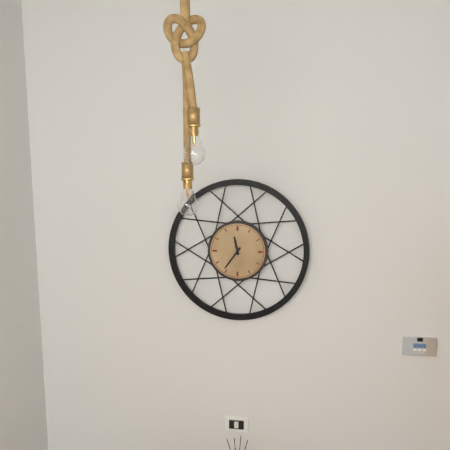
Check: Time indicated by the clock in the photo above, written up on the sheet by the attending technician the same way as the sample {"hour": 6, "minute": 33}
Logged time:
{"hour": 11, "minute": 36}
